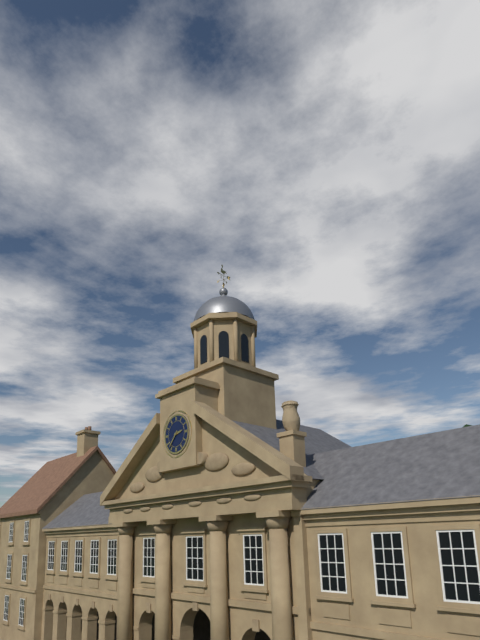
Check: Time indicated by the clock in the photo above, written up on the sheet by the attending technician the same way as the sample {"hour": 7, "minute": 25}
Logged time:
{"hour": 2, "minute": 37}
